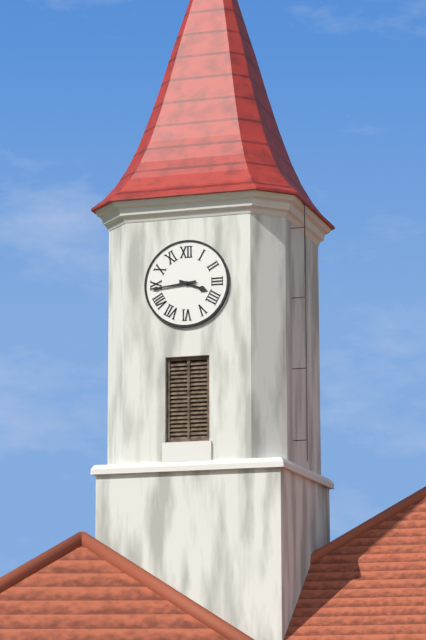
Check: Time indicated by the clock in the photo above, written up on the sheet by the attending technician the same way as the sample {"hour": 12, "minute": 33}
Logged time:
{"hour": 3, "minute": 44}
